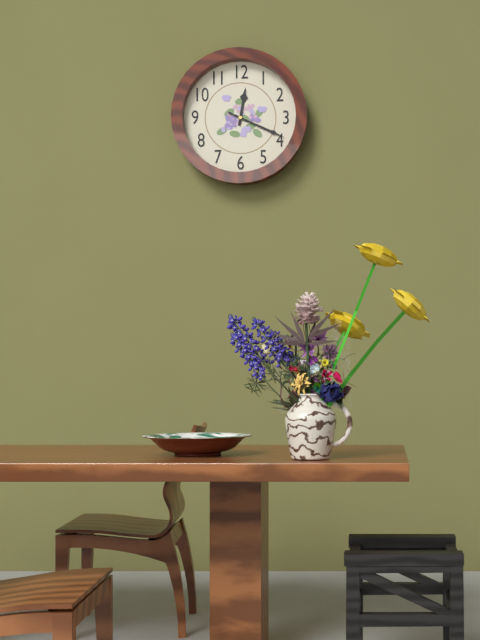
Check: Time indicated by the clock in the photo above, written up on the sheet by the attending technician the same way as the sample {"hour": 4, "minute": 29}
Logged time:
{"hour": 12, "minute": 19}
